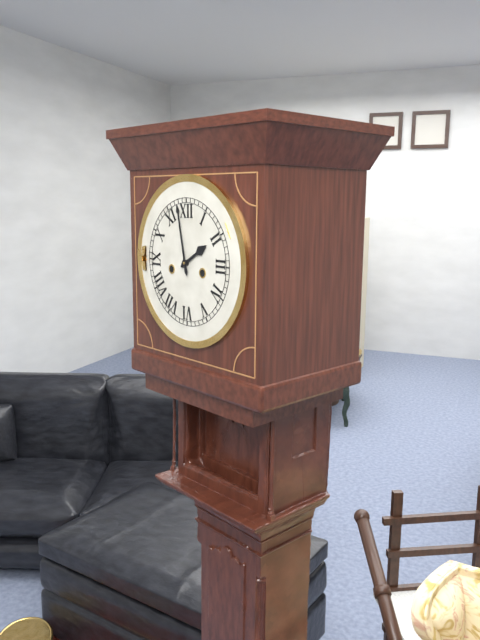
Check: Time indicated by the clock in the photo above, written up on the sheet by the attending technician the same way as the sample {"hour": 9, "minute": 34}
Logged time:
{"hour": 1, "minute": 58}
